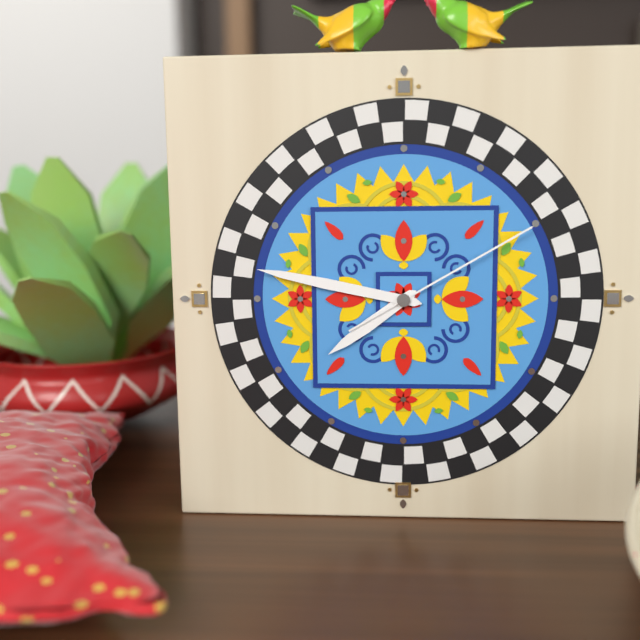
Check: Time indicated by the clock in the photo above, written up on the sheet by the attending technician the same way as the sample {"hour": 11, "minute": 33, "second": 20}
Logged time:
{"hour": 7, "minute": 47, "second": 10}
